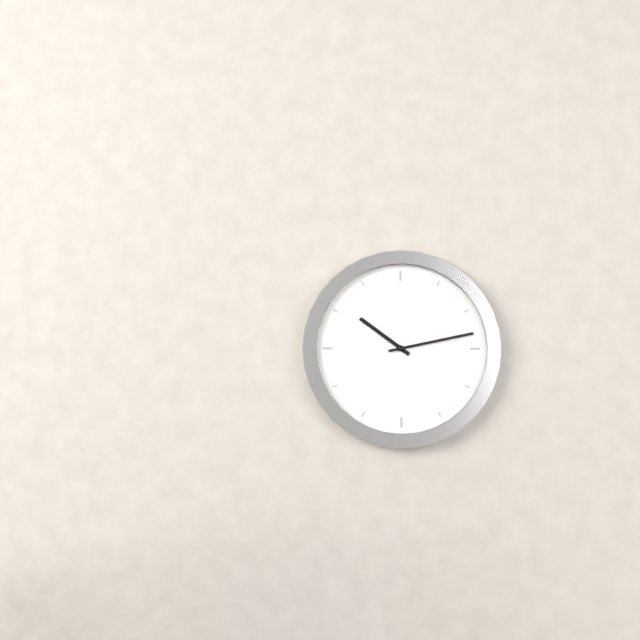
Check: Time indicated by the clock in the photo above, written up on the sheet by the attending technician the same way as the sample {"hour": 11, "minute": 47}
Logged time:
{"hour": 10, "minute": 13}
